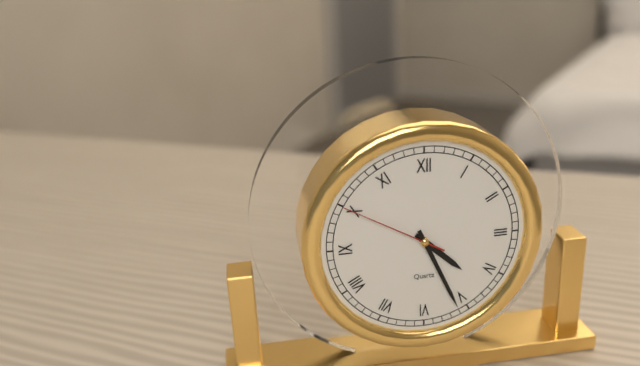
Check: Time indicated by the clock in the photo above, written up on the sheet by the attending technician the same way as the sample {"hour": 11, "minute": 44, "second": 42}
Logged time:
{"hour": 4, "minute": 26, "second": 50}
